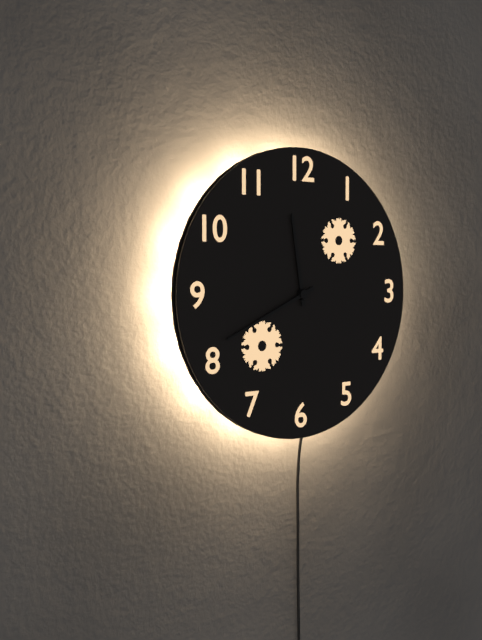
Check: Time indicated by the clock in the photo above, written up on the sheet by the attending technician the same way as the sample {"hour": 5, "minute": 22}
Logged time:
{"hour": 11, "minute": 41}
